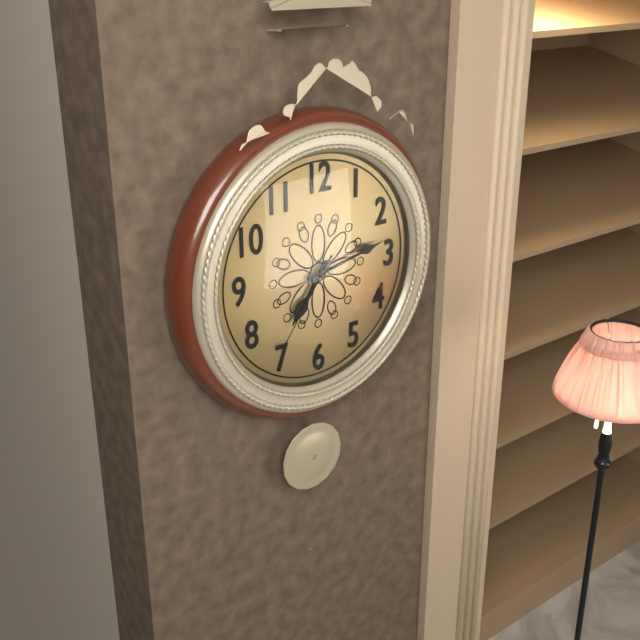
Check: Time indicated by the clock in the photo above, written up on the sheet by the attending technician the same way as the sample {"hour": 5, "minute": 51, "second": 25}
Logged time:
{"hour": 7, "minute": 13, "second": 36}
